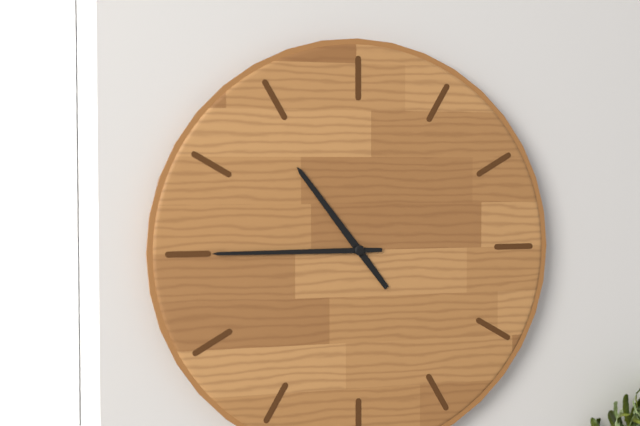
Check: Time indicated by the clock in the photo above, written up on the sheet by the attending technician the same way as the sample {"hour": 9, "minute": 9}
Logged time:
{"hour": 10, "minute": 45}
